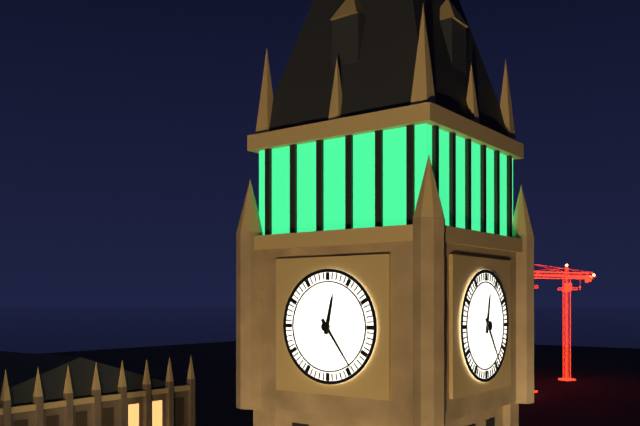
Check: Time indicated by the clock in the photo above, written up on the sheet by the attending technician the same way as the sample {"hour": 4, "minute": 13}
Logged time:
{"hour": 12, "minute": 24}
